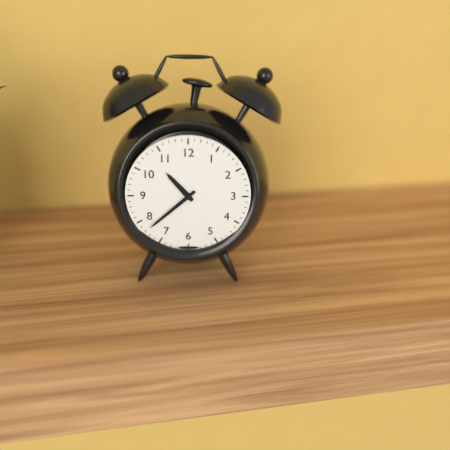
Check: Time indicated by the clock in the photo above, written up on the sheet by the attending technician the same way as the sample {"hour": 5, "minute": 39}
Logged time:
{"hour": 10, "minute": 38}
